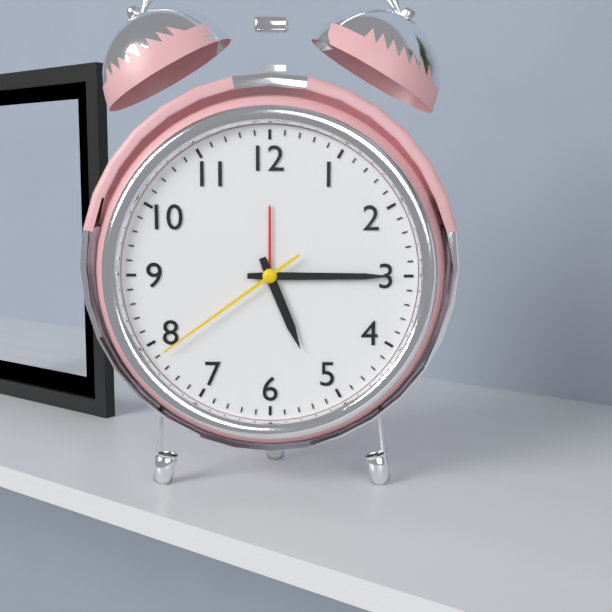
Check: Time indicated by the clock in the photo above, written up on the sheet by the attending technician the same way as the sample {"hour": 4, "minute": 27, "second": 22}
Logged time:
{"hour": 5, "minute": 15, "second": 39}
